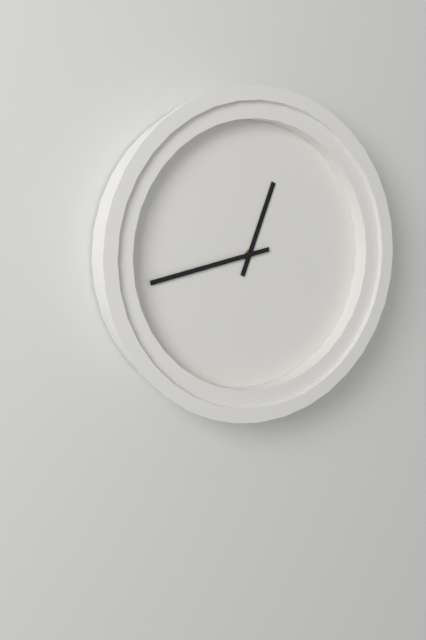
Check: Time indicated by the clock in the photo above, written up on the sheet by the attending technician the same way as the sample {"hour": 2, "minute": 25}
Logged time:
{"hour": 12, "minute": 43}
